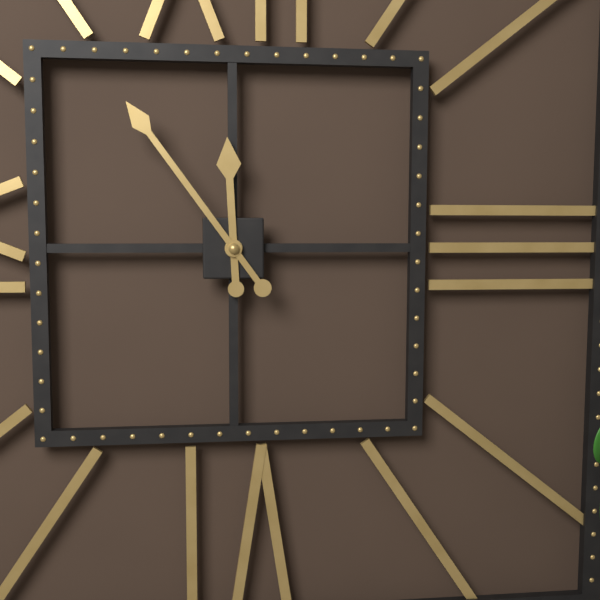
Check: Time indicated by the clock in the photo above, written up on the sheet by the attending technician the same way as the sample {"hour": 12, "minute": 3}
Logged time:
{"hour": 11, "minute": 54}
